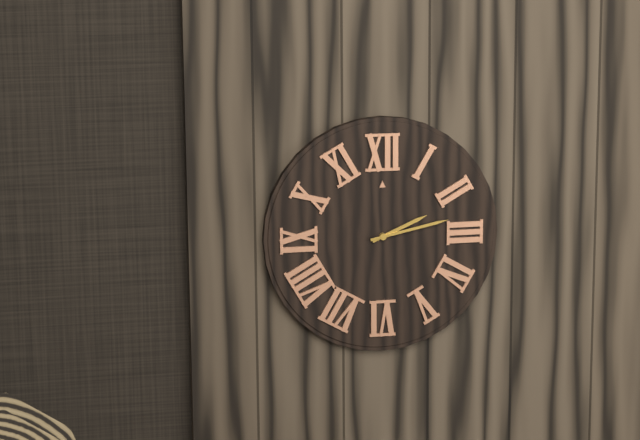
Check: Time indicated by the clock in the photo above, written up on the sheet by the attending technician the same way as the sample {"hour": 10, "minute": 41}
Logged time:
{"hour": 2, "minute": 13}
